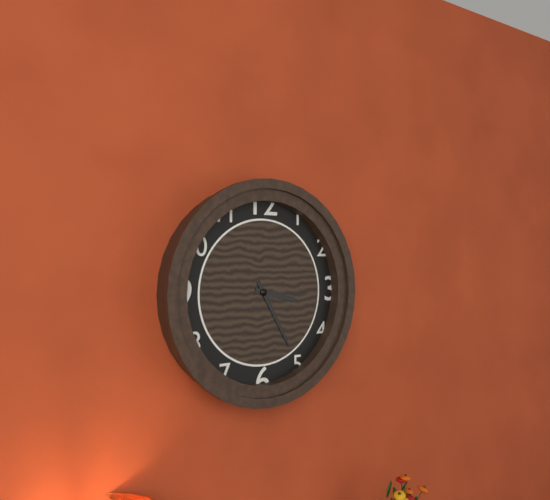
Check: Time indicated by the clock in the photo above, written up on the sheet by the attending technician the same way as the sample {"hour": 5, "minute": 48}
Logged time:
{"hour": 3, "minute": 25}
